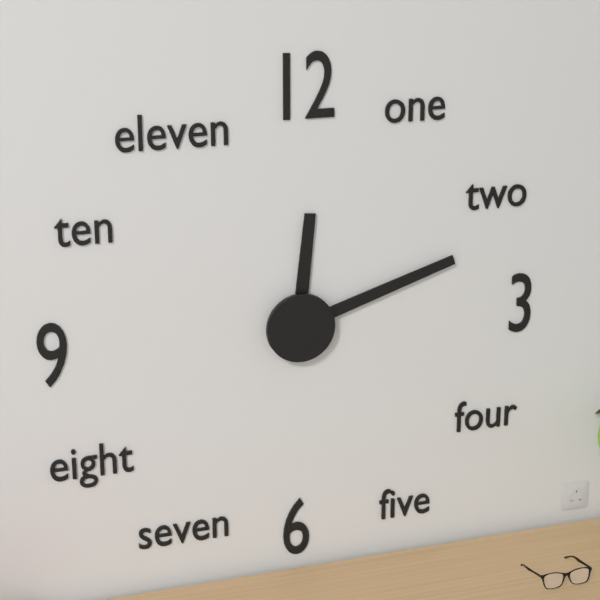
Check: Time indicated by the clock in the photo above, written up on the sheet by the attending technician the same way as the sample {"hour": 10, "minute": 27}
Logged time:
{"hour": 12, "minute": 12}
